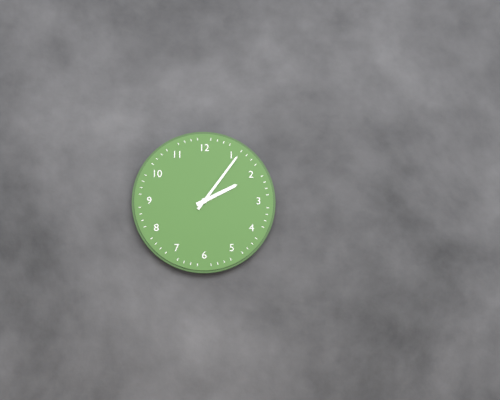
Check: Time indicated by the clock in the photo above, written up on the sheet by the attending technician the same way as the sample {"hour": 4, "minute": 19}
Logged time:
{"hour": 2, "minute": 6}
